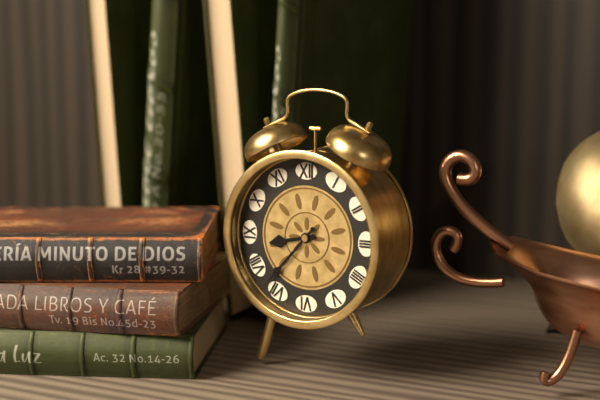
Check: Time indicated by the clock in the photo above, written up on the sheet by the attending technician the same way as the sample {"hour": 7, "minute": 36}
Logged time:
{"hour": 8, "minute": 37}
